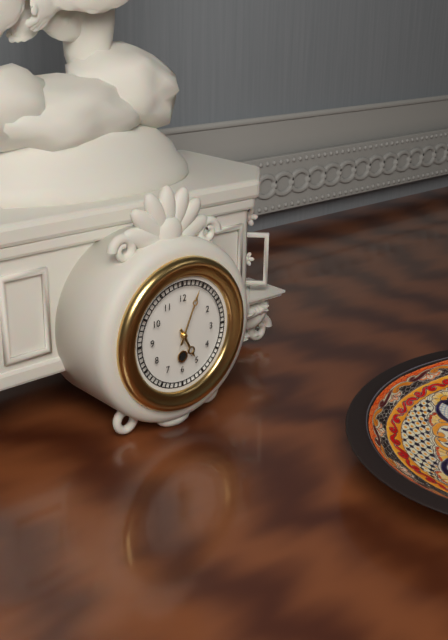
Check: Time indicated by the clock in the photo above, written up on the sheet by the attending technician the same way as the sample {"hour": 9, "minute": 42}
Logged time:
{"hour": 5, "minute": 4}
